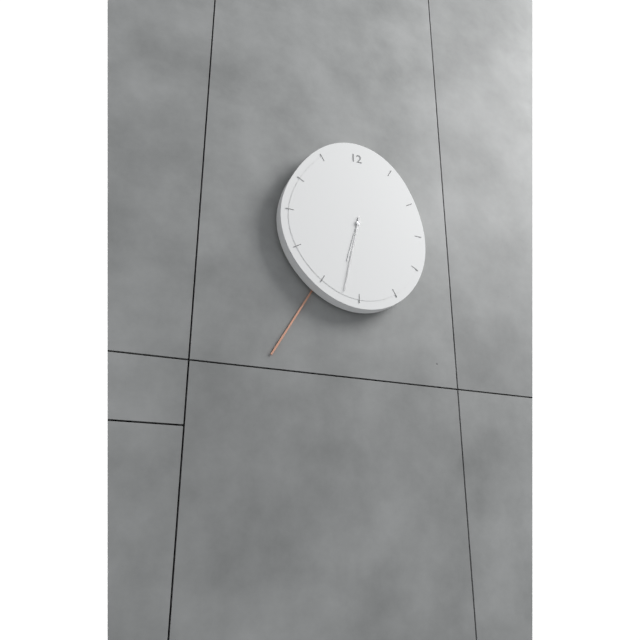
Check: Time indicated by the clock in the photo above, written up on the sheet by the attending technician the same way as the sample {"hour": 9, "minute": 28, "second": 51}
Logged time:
{"hour": 6, "minute": 32, "second": 35}
